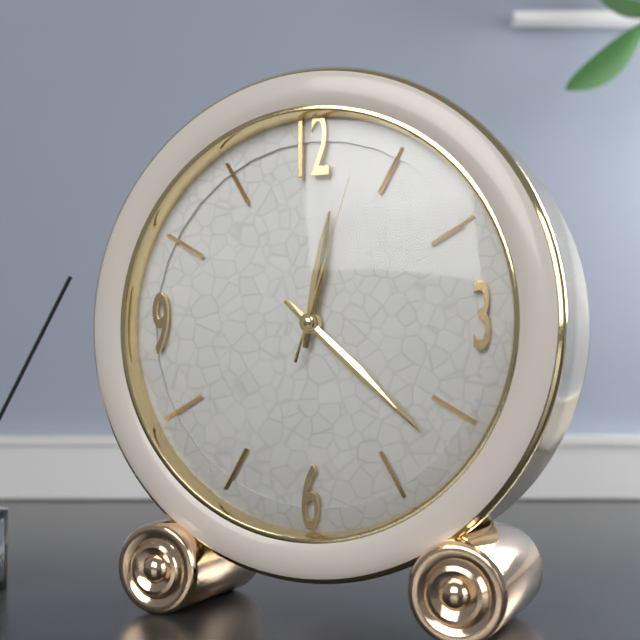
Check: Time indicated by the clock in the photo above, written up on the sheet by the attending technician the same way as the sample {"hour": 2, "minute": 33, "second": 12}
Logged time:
{"hour": 12, "minute": 22, "second": 3}
